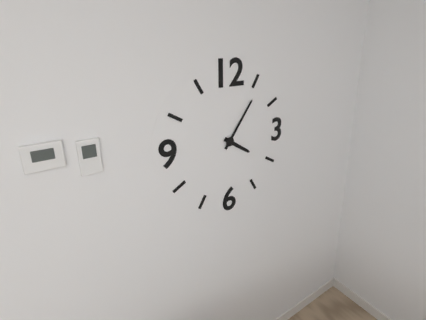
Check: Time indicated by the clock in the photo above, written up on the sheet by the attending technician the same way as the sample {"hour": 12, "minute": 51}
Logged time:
{"hour": 4, "minute": 6}
